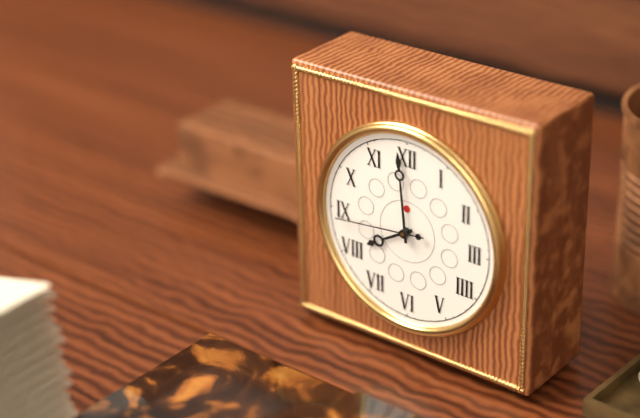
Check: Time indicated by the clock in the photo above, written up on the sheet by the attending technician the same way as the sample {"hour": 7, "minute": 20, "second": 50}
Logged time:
{"hour": 7, "minute": 59, "second": 44}
